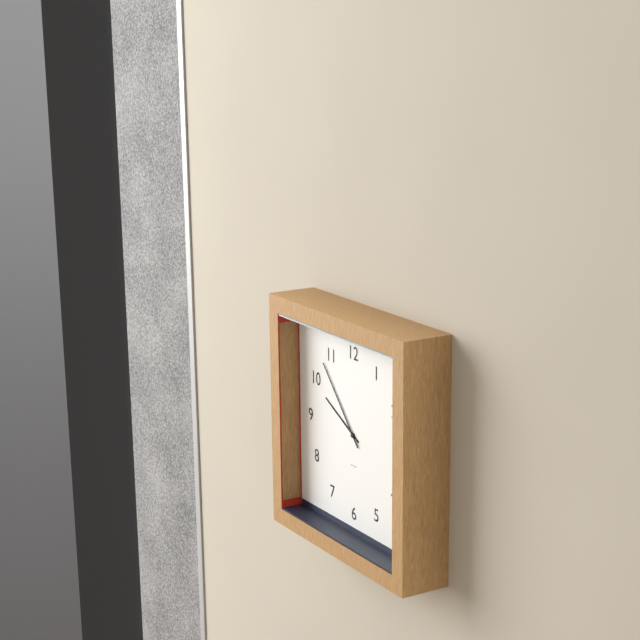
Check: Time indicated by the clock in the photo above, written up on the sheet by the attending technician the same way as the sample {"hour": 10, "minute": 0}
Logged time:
{"hour": 9, "minute": 53}
